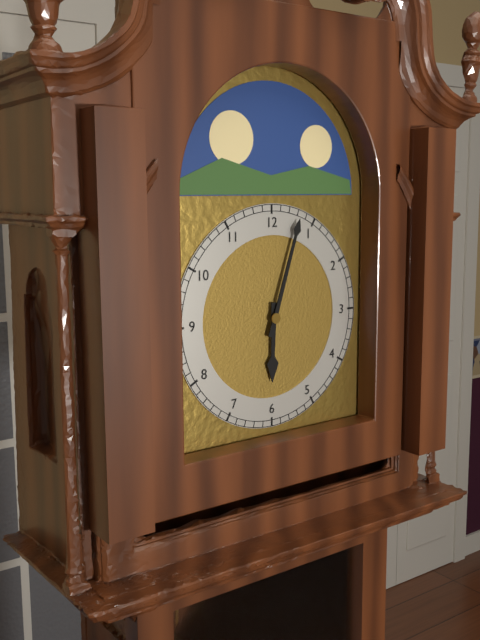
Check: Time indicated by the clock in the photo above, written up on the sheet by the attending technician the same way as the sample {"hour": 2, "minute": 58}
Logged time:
{"hour": 6, "minute": 3}
